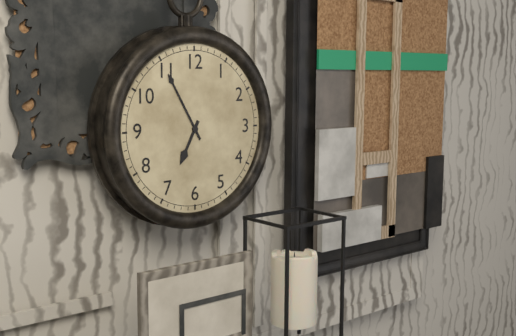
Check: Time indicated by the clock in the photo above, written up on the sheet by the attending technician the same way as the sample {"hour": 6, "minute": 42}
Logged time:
{"hour": 6, "minute": 55}
